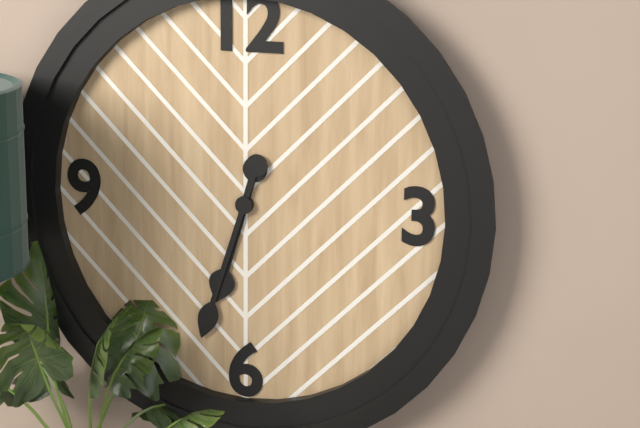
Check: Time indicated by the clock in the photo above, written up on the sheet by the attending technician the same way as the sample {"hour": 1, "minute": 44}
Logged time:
{"hour": 6, "minute": 33}
